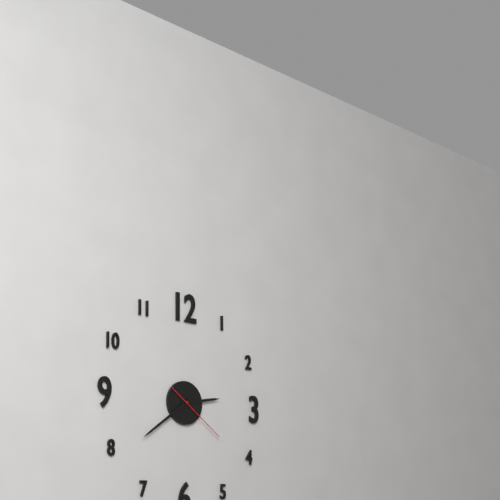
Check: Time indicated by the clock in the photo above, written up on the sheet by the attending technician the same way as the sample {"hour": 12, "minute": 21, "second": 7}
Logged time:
{"hour": 2, "minute": 39, "second": 21}
